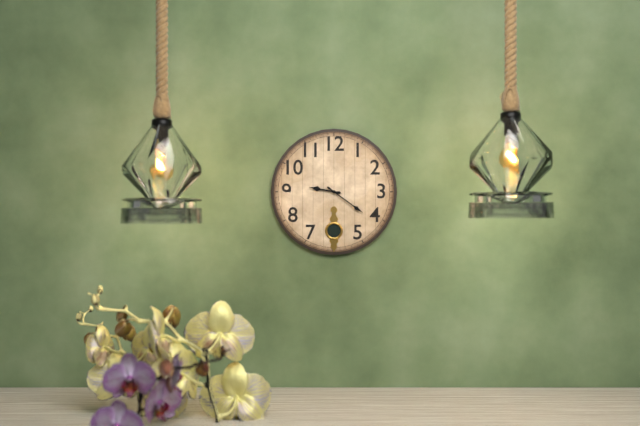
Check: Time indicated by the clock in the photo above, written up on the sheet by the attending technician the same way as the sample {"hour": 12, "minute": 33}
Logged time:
{"hour": 9, "minute": 21}
